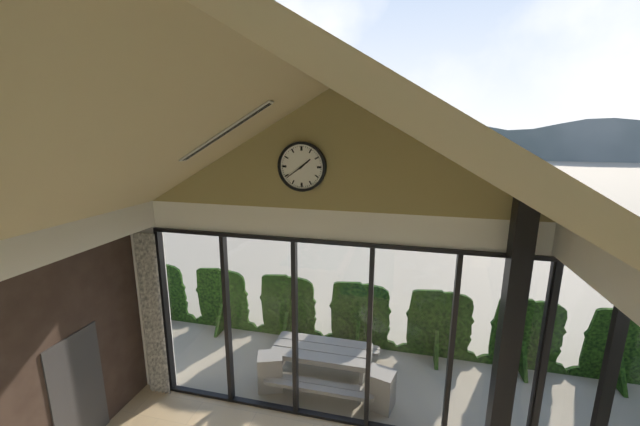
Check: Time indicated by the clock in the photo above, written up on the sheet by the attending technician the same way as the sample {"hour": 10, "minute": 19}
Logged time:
{"hour": 1, "minute": 39}
